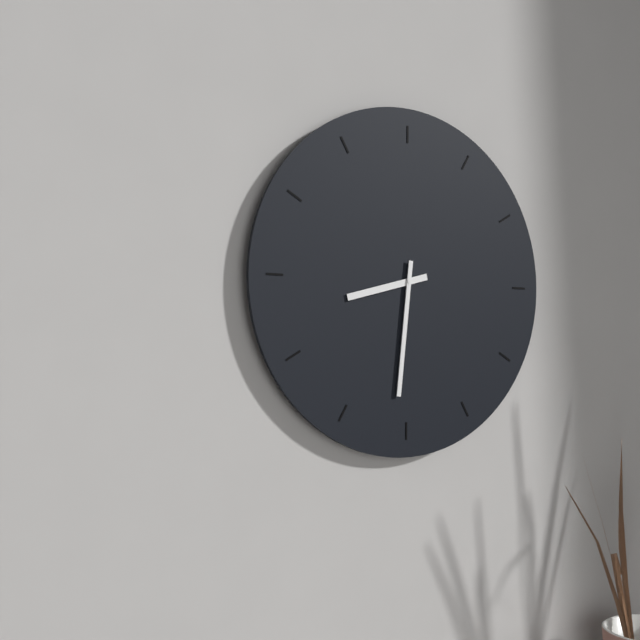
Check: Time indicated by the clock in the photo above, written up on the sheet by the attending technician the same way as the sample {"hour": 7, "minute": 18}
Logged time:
{"hour": 8, "minute": 31}
